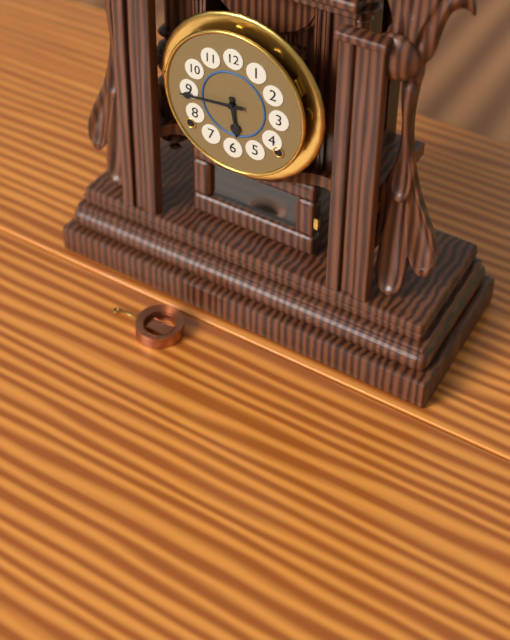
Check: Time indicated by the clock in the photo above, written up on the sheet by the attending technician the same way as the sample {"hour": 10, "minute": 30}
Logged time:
{"hour": 5, "minute": 44}
